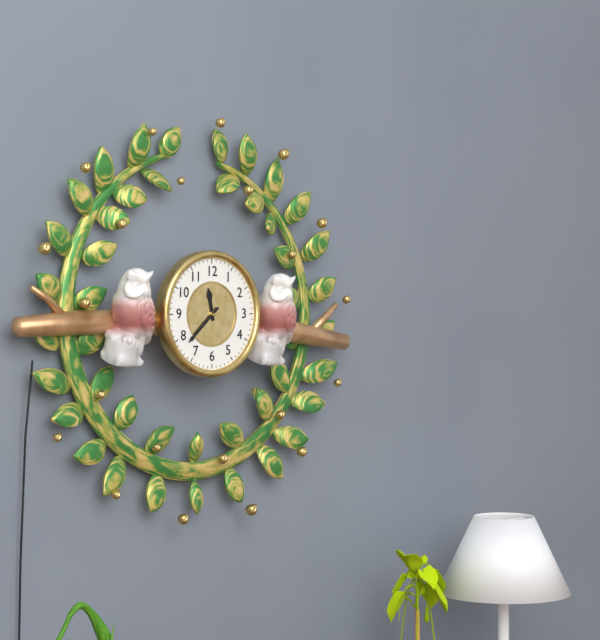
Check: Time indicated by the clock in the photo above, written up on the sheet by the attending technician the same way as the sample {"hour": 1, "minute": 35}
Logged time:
{"hour": 11, "minute": 38}
